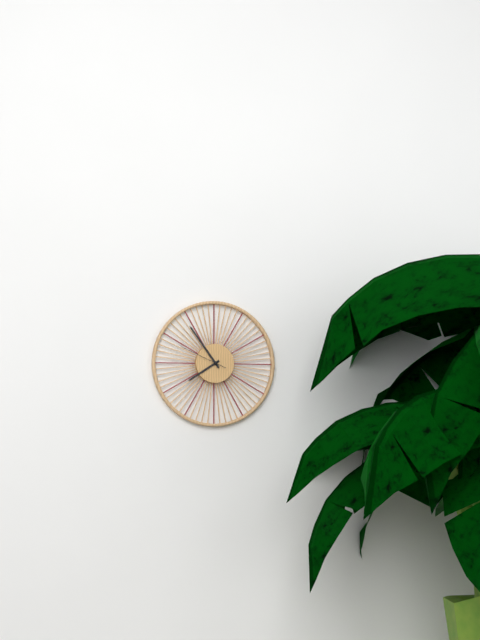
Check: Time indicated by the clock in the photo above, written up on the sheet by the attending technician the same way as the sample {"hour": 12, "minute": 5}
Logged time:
{"hour": 7, "minute": 54}
